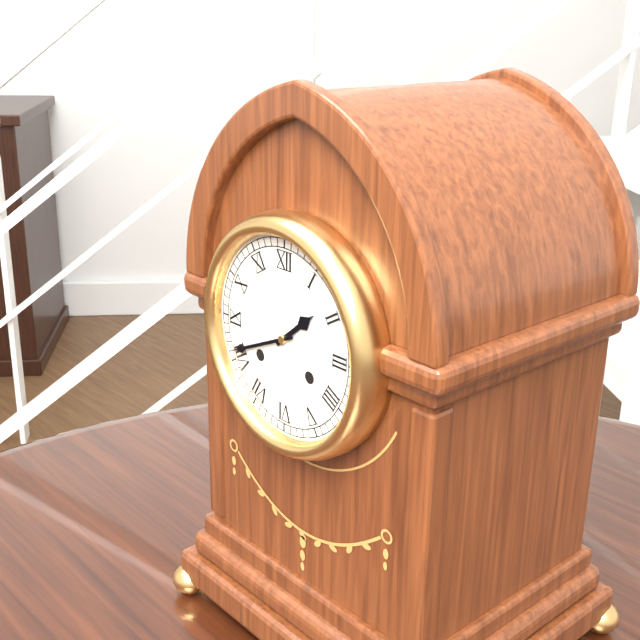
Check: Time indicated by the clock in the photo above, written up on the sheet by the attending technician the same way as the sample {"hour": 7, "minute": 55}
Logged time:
{"hour": 1, "minute": 41}
